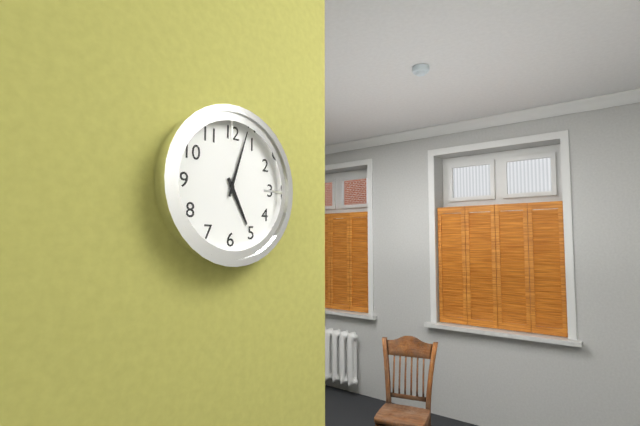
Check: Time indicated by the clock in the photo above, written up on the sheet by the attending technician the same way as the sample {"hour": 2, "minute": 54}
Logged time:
{"hour": 5, "minute": 3}
